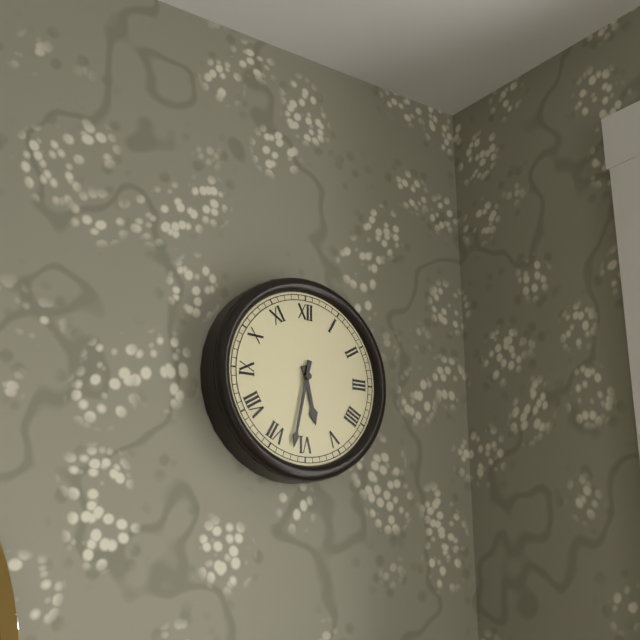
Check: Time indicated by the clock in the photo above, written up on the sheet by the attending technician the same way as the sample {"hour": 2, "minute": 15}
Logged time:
{"hour": 5, "minute": 32}
